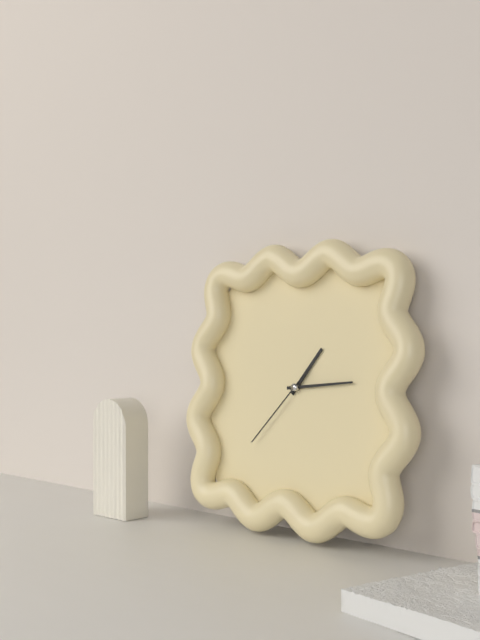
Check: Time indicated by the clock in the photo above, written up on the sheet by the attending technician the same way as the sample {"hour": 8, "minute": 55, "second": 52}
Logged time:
{"hour": 1, "minute": 14, "second": 37}
